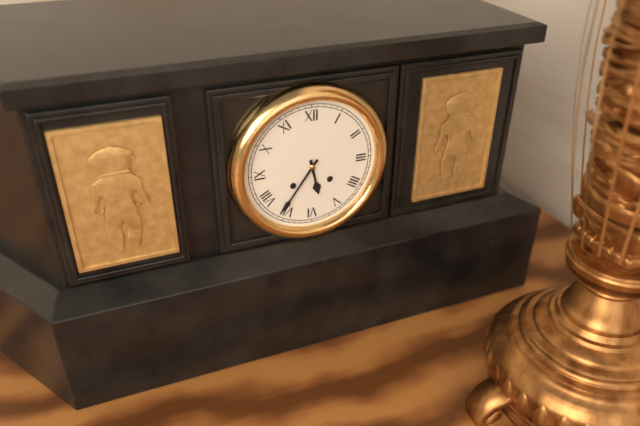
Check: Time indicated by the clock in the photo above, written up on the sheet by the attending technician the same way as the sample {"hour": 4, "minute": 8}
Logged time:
{"hour": 5, "minute": 36}
